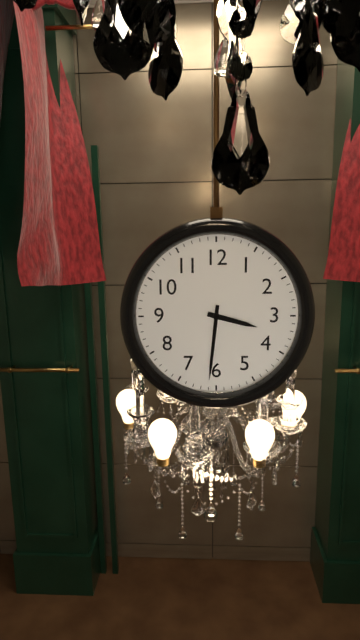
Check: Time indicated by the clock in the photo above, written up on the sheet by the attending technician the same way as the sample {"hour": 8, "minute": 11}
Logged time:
{"hour": 3, "minute": 31}
